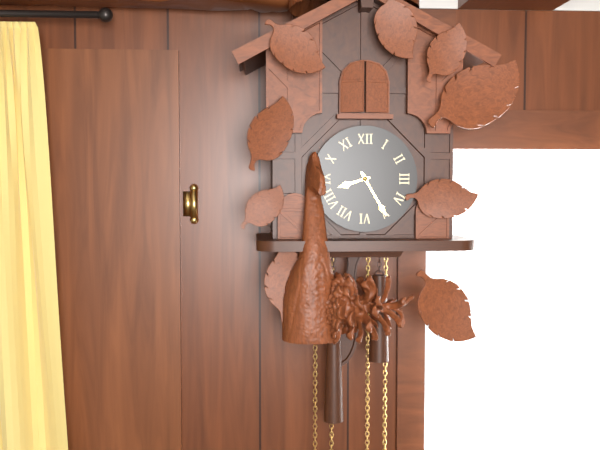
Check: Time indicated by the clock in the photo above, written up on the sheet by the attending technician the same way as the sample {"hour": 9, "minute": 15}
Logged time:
{"hour": 8, "minute": 25}
